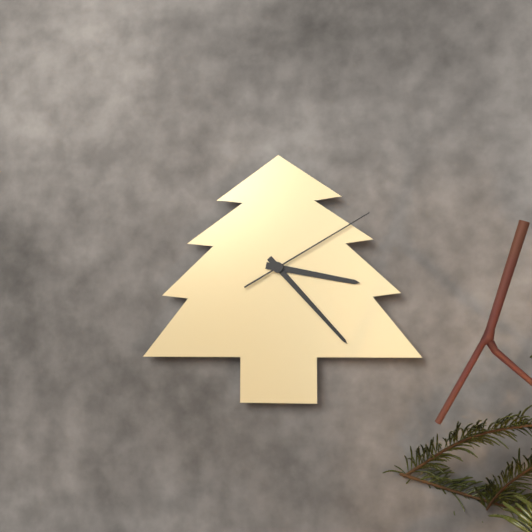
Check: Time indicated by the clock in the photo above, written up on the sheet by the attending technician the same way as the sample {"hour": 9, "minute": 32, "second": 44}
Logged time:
{"hour": 3, "minute": 23, "second": 10}
